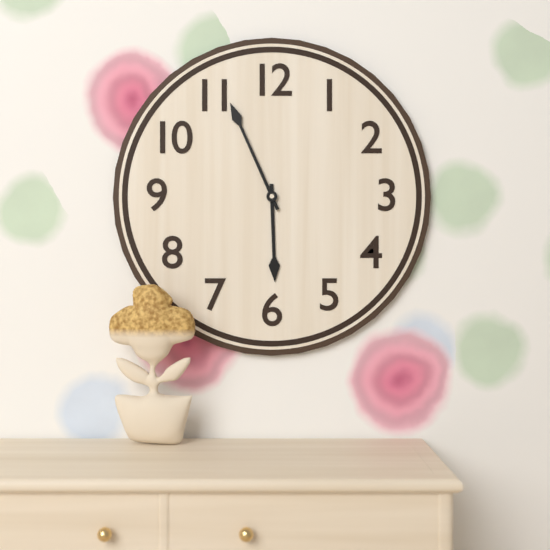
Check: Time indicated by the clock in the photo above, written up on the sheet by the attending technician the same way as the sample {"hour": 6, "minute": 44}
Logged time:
{"hour": 5, "minute": 56}
